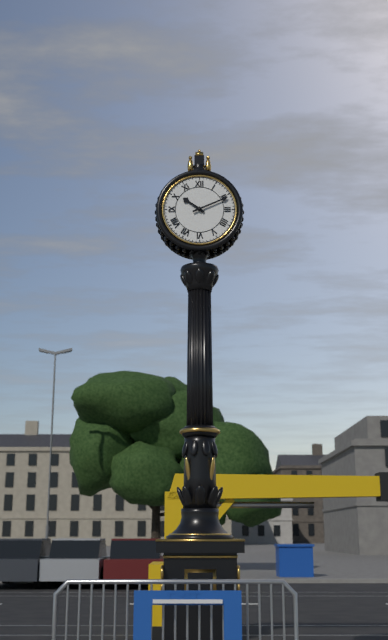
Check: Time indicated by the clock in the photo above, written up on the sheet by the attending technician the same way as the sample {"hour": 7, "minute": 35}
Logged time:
{"hour": 10, "minute": 11}
